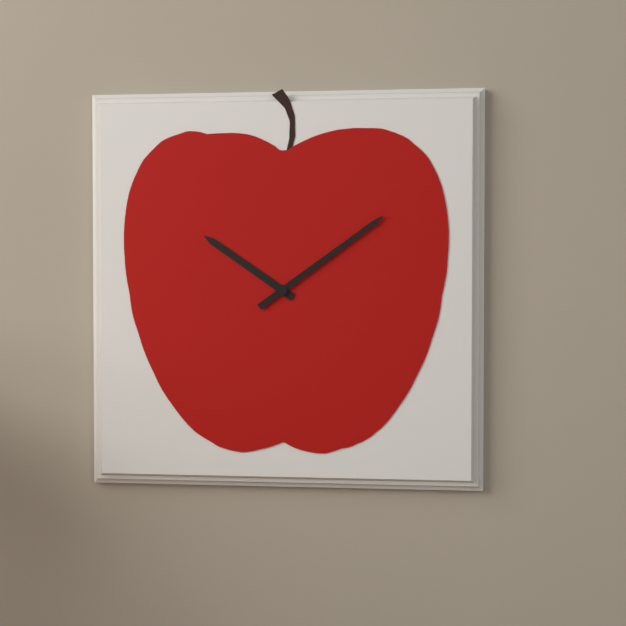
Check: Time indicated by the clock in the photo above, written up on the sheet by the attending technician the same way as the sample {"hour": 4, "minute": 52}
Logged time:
{"hour": 10, "minute": 9}
